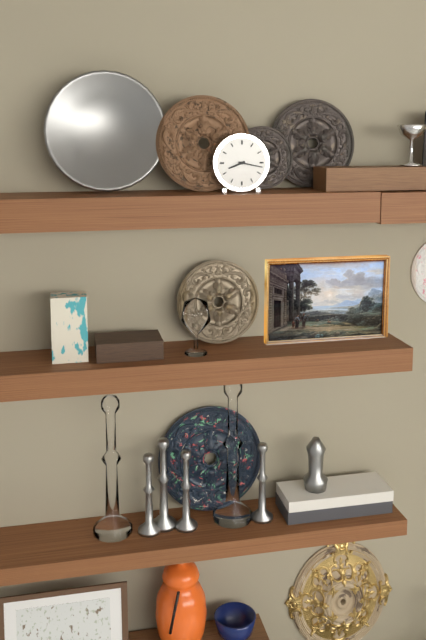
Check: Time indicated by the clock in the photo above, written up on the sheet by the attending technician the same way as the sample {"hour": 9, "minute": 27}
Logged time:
{"hour": 8, "minute": 17}
